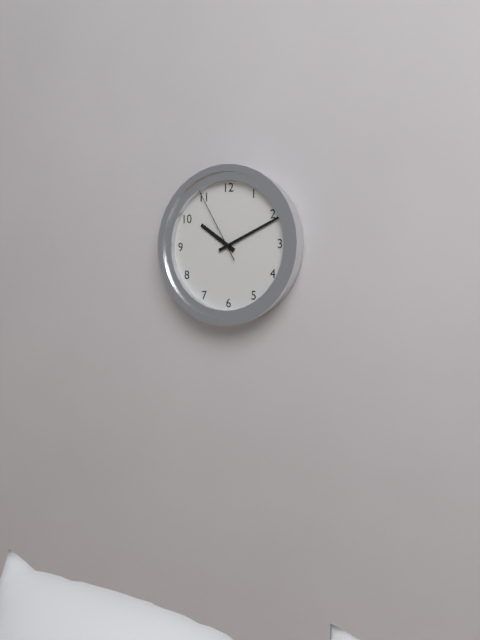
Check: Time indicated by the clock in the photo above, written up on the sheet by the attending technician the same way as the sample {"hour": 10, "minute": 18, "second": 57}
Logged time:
{"hour": 10, "minute": 11, "second": 55}
